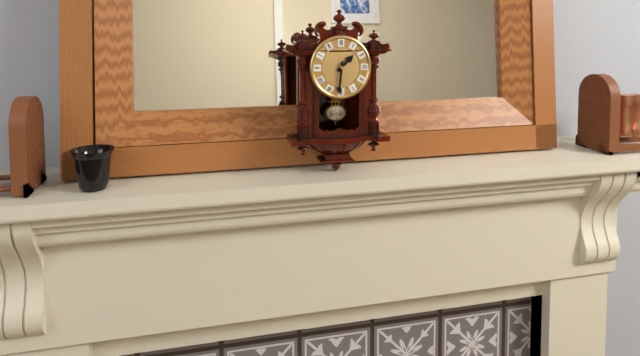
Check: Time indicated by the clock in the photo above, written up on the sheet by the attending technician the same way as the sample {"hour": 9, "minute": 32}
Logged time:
{"hour": 1, "minute": 31}
